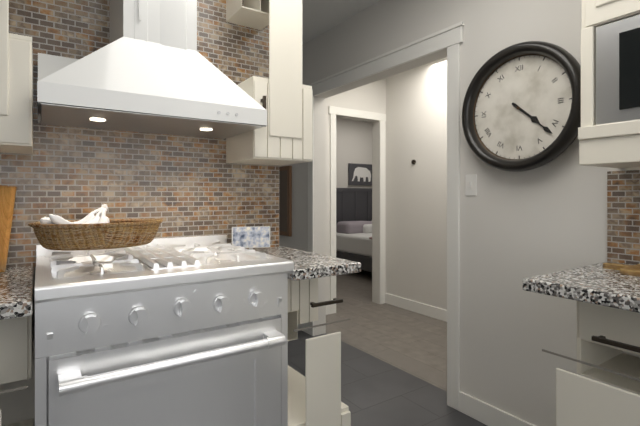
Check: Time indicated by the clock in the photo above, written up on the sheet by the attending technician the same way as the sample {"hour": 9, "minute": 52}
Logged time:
{"hour": 4, "minute": 22}
